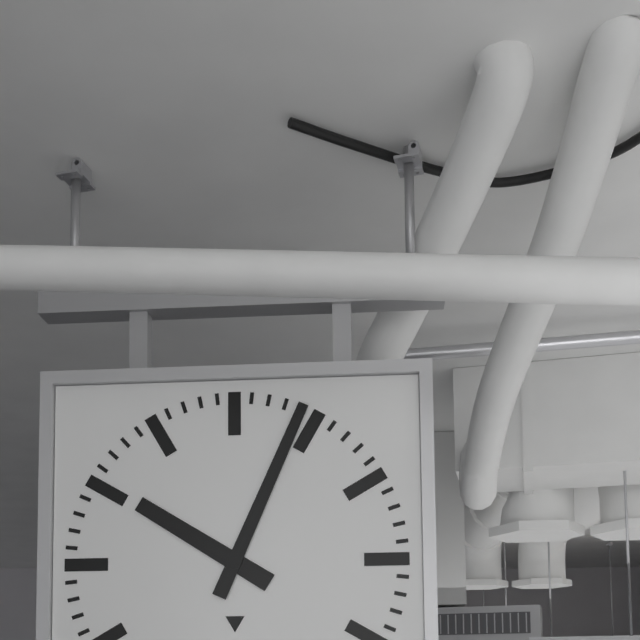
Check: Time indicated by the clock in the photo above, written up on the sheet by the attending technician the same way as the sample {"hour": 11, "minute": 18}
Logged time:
{"hour": 10, "minute": 4}
